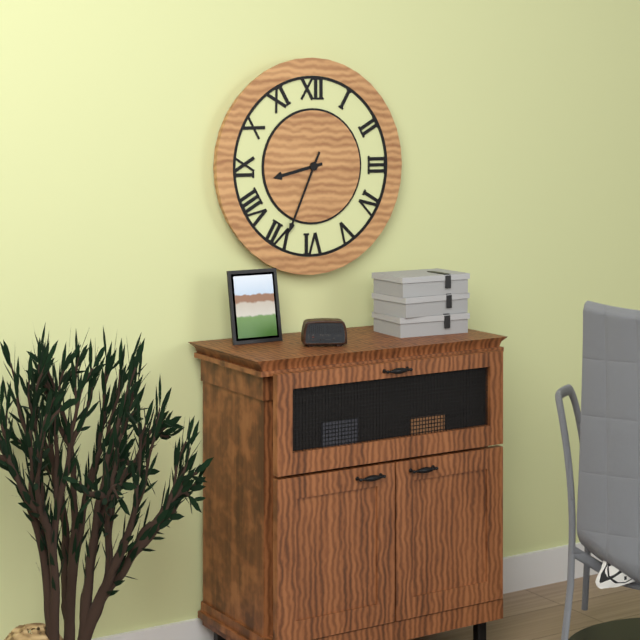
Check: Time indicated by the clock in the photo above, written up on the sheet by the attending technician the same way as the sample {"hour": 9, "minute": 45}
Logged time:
{"hour": 8, "minute": 34}
